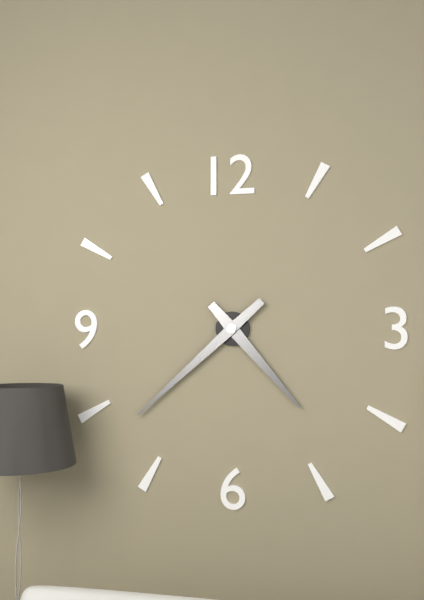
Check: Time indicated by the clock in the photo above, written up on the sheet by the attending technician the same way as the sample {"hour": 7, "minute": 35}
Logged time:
{"hour": 4, "minute": 38}
